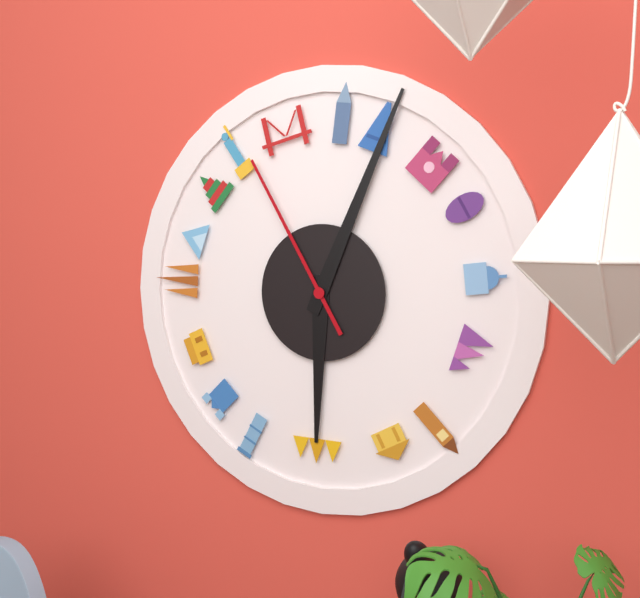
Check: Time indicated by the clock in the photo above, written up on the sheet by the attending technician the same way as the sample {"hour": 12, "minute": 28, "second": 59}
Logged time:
{"hour": 6, "minute": 4, "second": 55}
